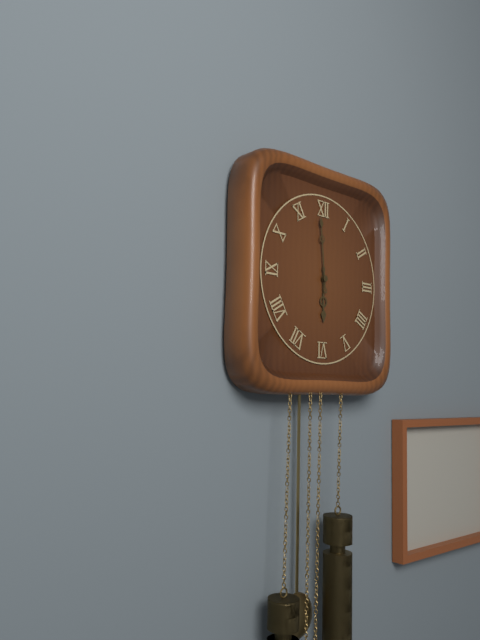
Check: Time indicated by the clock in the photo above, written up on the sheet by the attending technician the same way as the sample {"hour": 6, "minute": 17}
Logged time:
{"hour": 5, "minute": 59}
